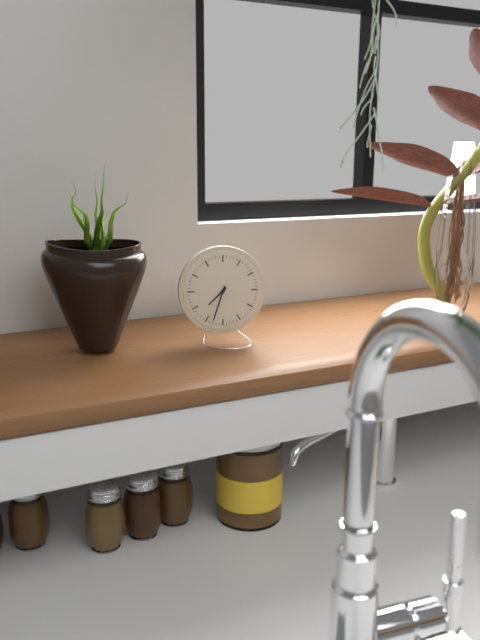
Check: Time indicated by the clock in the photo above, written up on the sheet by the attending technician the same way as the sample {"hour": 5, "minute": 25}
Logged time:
{"hour": 7, "minute": 33}
